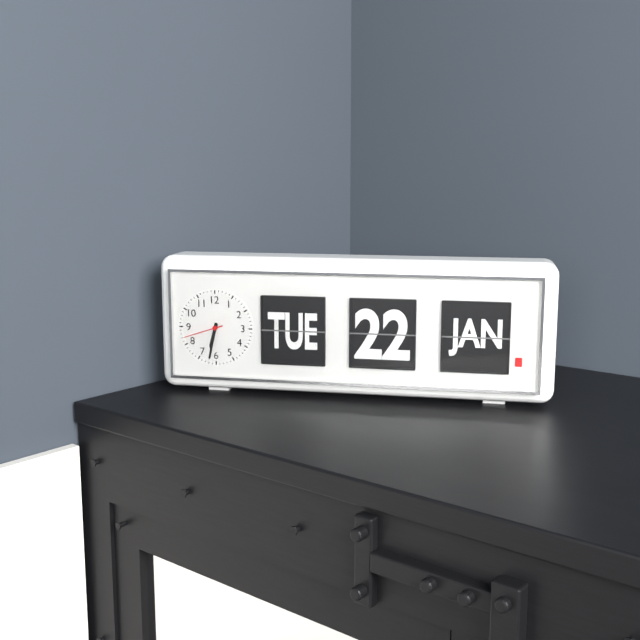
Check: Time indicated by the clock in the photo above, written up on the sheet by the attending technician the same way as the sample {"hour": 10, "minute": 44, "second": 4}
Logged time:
{"hour": 6, "minute": 32, "second": 42}
